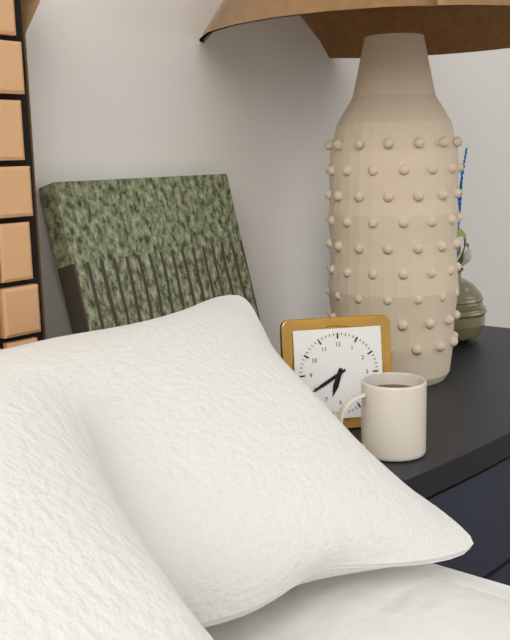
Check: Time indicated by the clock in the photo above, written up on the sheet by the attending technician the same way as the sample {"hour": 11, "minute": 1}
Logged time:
{"hour": 6, "minute": 40}
